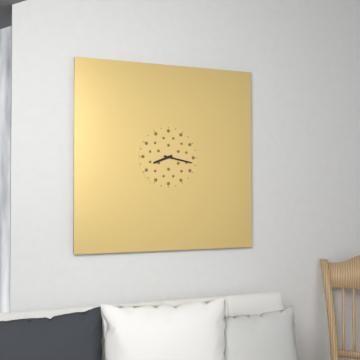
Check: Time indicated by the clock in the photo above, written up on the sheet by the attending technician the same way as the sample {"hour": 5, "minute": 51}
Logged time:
{"hour": 8, "minute": 17}
